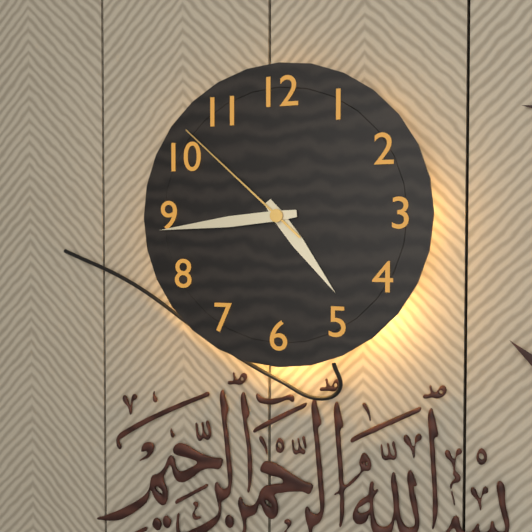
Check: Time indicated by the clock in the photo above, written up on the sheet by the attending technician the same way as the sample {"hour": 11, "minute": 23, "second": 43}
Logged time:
{"hour": 4, "minute": 44, "second": 52}
